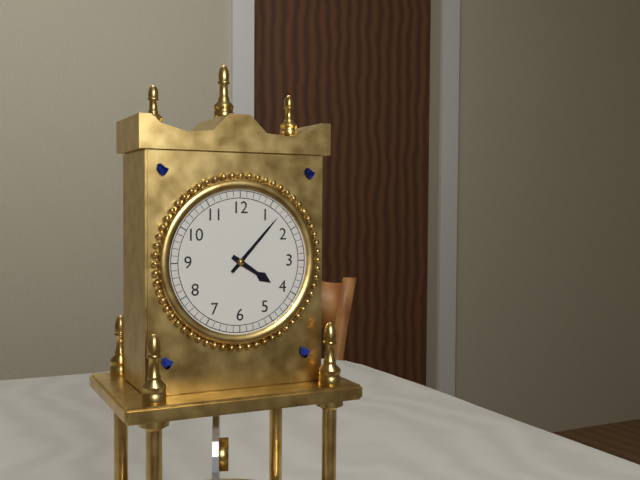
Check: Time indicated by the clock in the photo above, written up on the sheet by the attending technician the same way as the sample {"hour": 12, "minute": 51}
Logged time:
{"hour": 4, "minute": 7}
